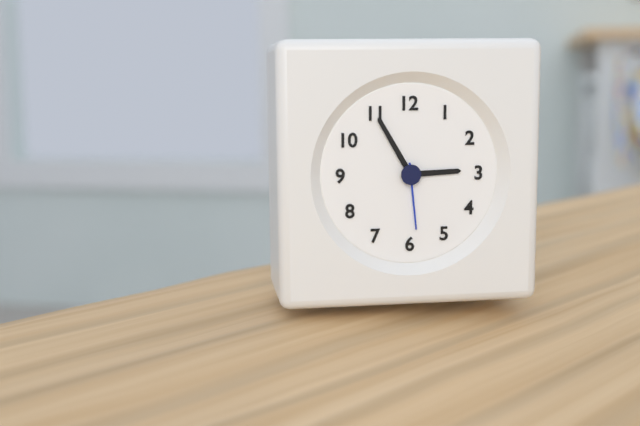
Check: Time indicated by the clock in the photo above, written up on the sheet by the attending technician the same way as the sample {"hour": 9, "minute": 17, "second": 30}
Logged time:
{"hour": 2, "minute": 55, "second": 29}
